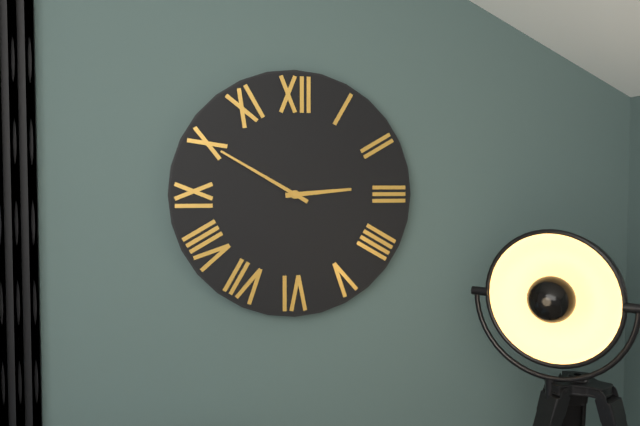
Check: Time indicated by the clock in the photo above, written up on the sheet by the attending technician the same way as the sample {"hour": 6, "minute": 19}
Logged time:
{"hour": 2, "minute": 50}
